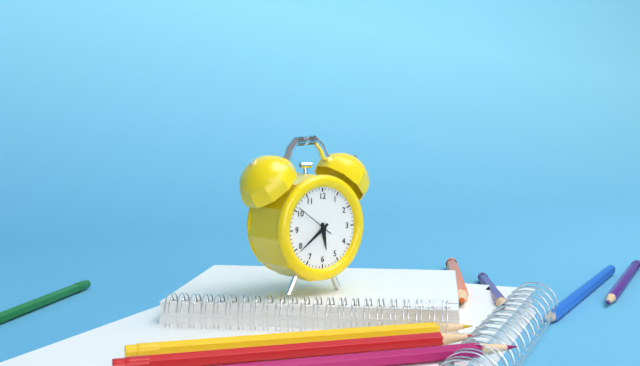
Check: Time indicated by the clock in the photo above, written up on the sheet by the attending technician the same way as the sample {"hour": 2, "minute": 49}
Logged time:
{"hour": 5, "minute": 39}
